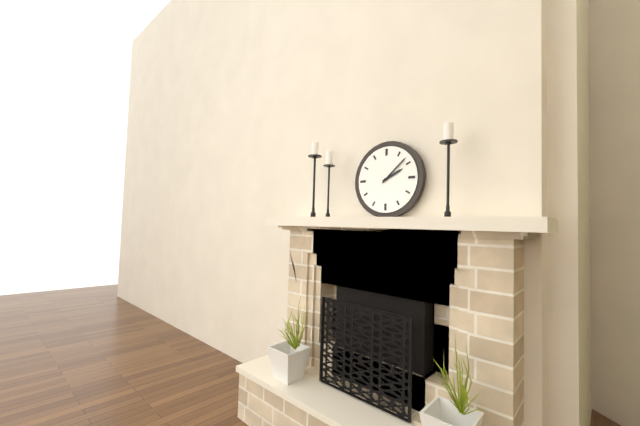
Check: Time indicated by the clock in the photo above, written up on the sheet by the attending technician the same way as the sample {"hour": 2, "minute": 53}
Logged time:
{"hour": 2, "minute": 8}
